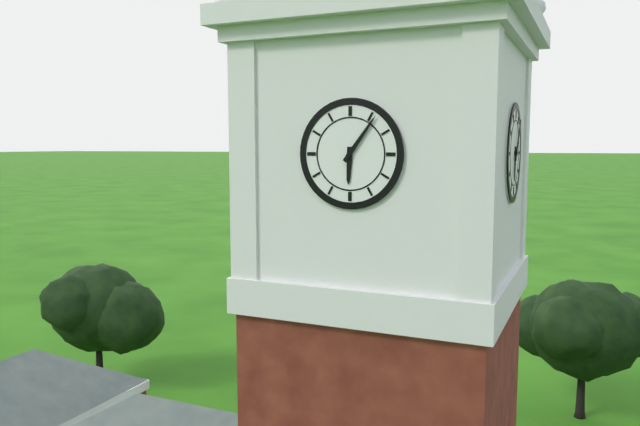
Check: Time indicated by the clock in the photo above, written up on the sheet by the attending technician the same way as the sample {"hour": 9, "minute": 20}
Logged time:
{"hour": 6, "minute": 6}
